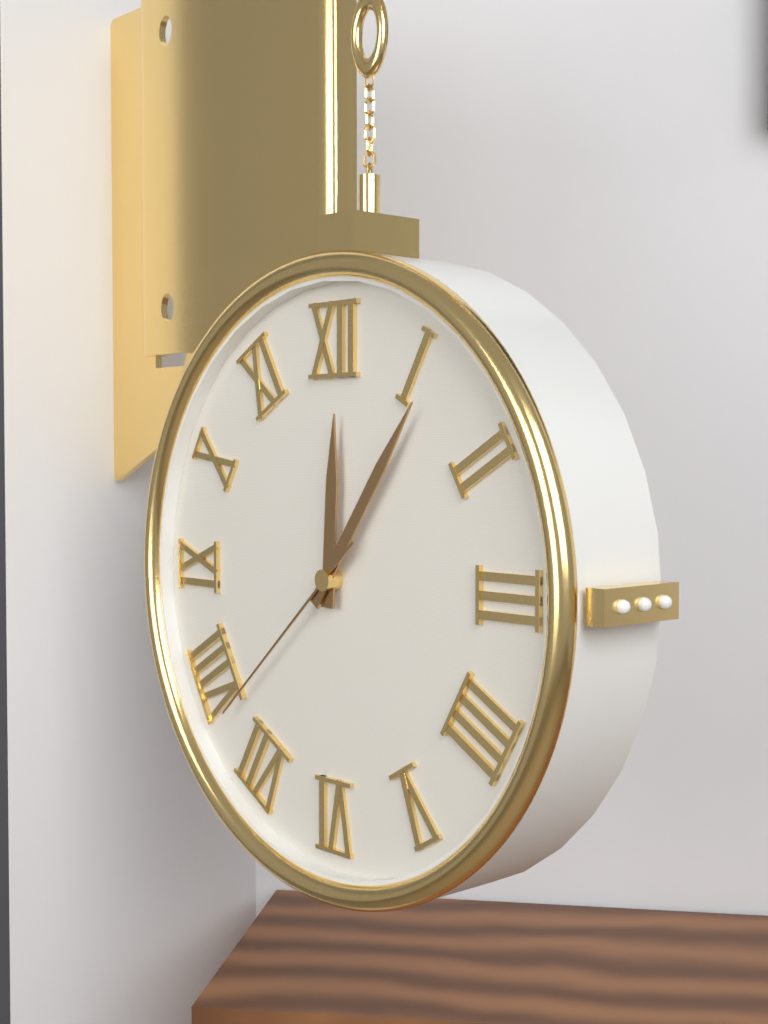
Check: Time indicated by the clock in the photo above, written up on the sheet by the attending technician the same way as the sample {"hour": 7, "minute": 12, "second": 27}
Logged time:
{"hour": 12, "minute": 6, "second": 38}
